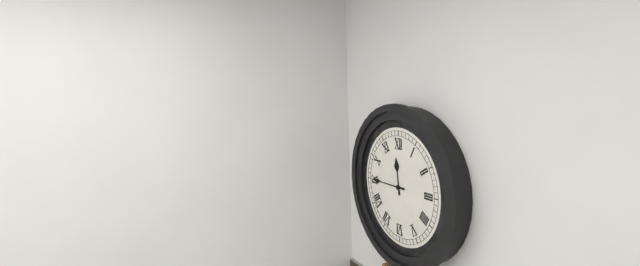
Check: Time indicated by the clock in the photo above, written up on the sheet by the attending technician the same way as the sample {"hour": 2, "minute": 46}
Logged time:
{"hour": 11, "minute": 45}
